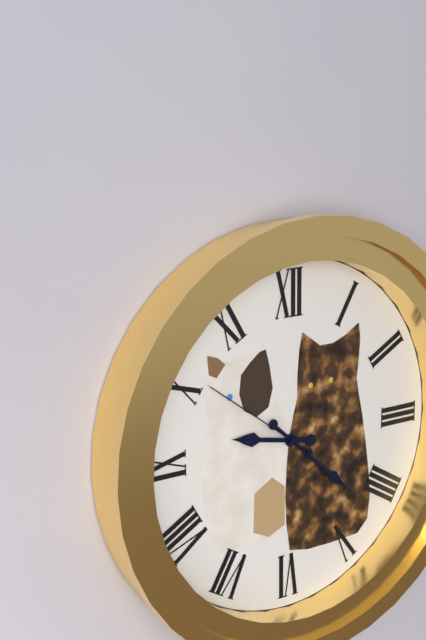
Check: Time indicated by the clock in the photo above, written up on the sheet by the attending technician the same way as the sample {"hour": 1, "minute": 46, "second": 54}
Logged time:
{"hour": 9, "minute": 22, "second": 51}
